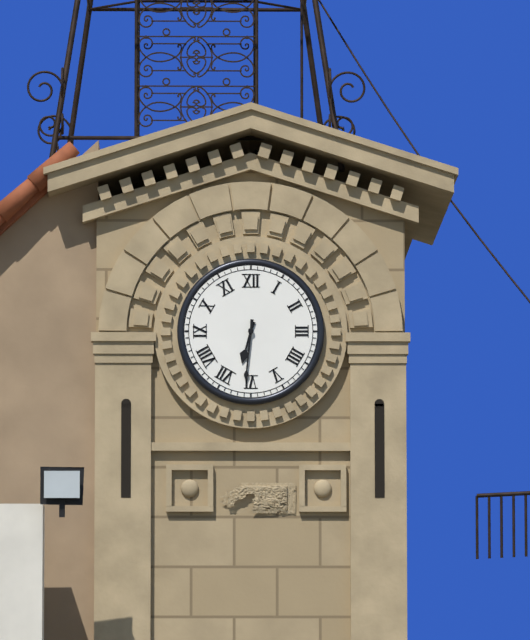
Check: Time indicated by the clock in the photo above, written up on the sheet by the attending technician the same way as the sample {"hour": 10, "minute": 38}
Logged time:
{"hour": 6, "minute": 31}
